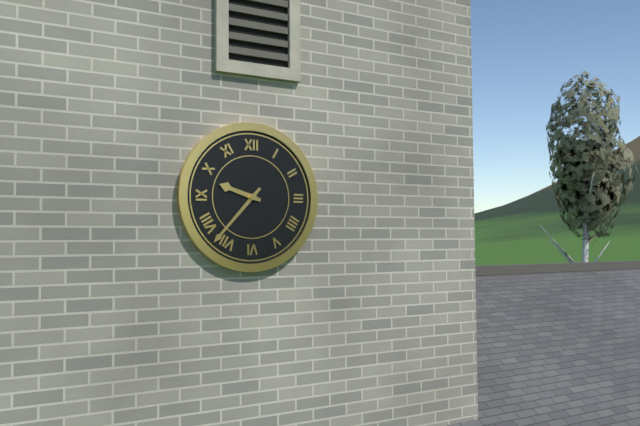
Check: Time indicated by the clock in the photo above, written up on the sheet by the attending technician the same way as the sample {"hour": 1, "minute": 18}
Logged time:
{"hour": 9, "minute": 37}
